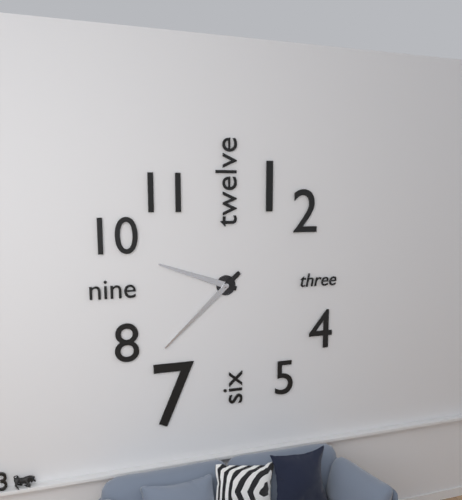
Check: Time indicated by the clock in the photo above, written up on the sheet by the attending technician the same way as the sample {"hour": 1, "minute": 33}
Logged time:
{"hour": 9, "minute": 38}
